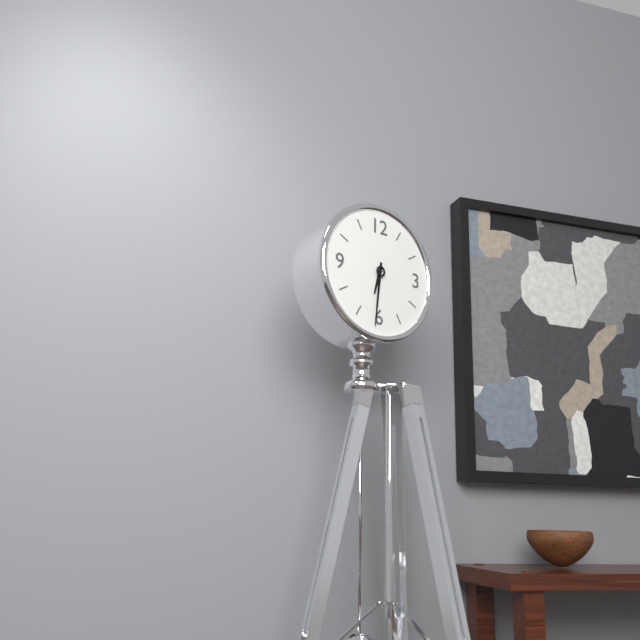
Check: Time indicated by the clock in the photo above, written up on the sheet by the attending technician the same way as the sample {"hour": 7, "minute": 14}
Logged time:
{"hour": 6, "minute": 31}
